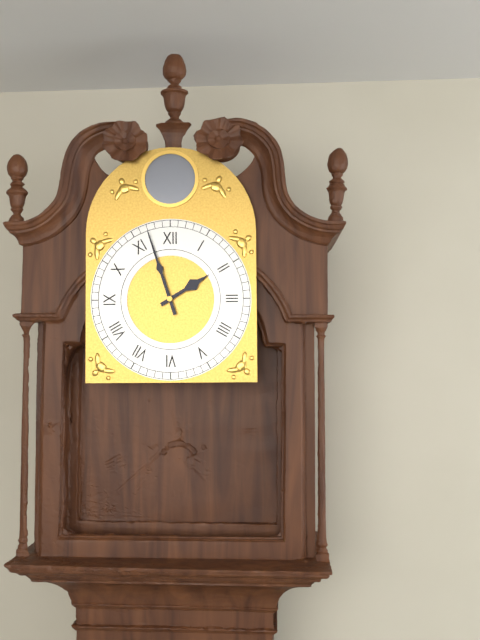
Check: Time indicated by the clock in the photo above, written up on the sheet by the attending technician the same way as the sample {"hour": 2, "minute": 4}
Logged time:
{"hour": 1, "minute": 57}
